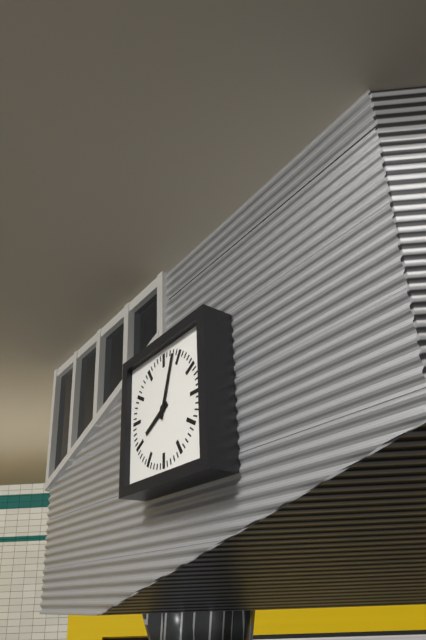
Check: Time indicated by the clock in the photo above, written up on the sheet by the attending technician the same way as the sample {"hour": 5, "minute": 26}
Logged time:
{"hour": 8, "minute": 3}
